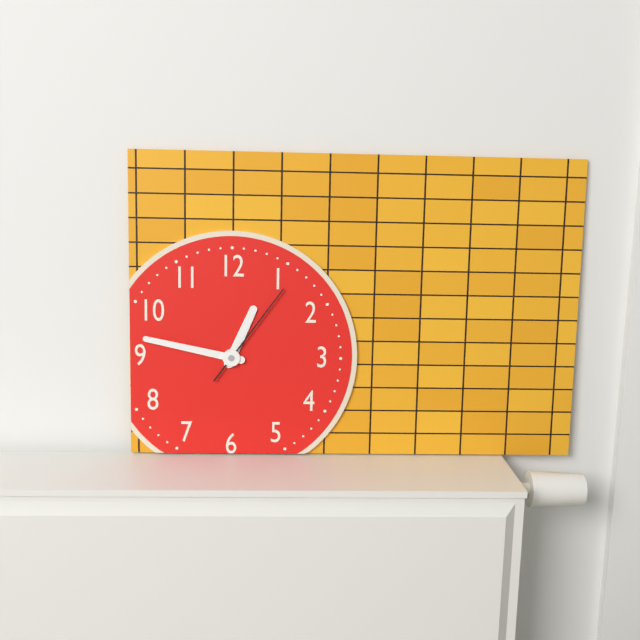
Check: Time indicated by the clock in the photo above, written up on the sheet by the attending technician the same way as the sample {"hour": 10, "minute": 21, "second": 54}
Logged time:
{"hour": 12, "minute": 47, "second": 6}
